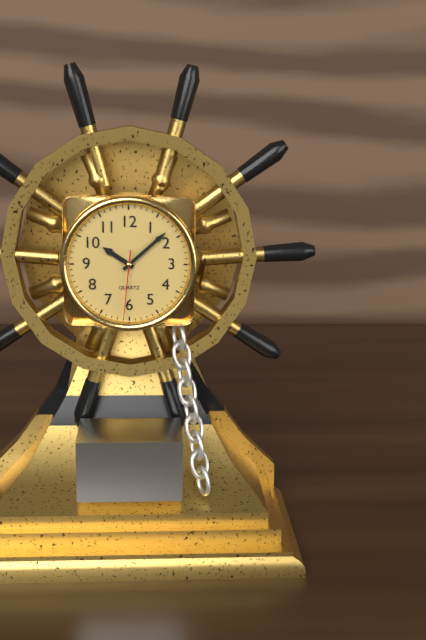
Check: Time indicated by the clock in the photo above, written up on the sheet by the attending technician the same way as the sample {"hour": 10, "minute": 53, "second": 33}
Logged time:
{"hour": 10, "minute": 8, "second": 31}
